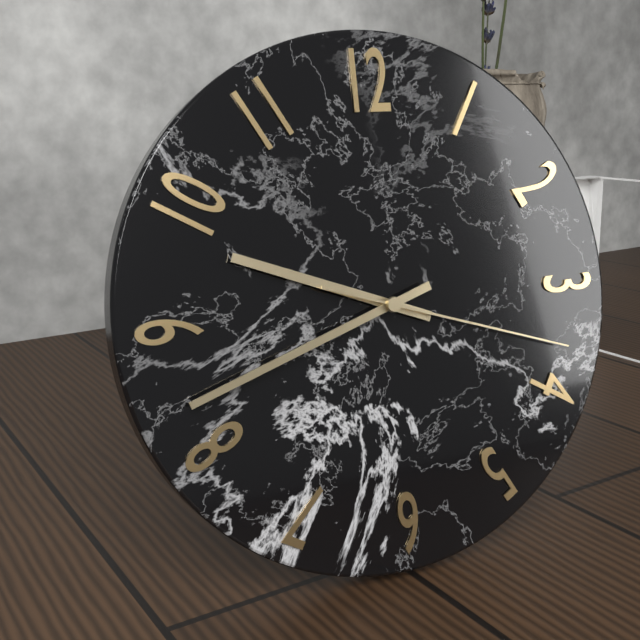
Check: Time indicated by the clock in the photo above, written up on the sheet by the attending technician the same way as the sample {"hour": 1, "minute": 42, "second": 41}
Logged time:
{"hour": 9, "minute": 42, "second": 18}
